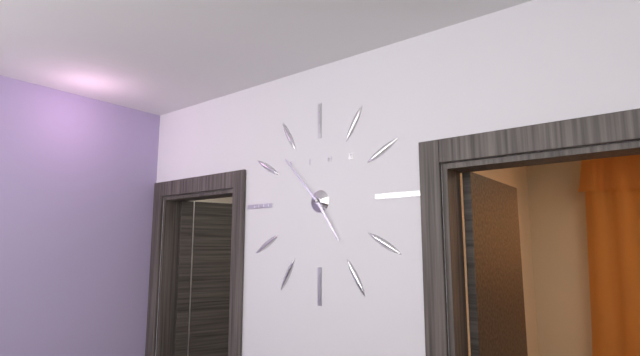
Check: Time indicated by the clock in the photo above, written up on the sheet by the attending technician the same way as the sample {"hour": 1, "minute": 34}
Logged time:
{"hour": 4, "minute": 53}
